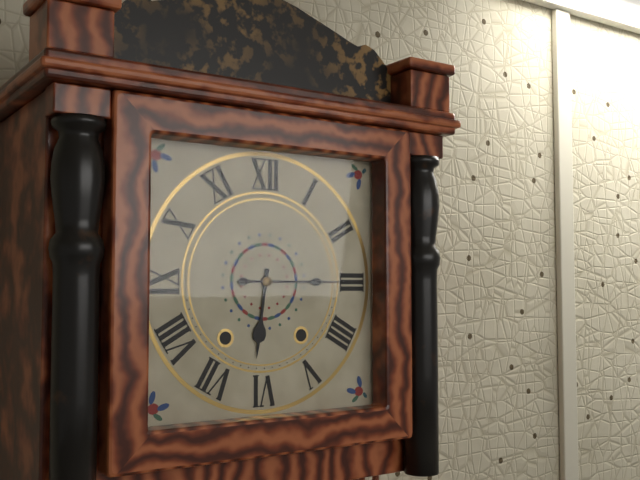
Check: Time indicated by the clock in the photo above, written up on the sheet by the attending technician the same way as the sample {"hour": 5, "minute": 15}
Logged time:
{"hour": 6, "minute": 15}
